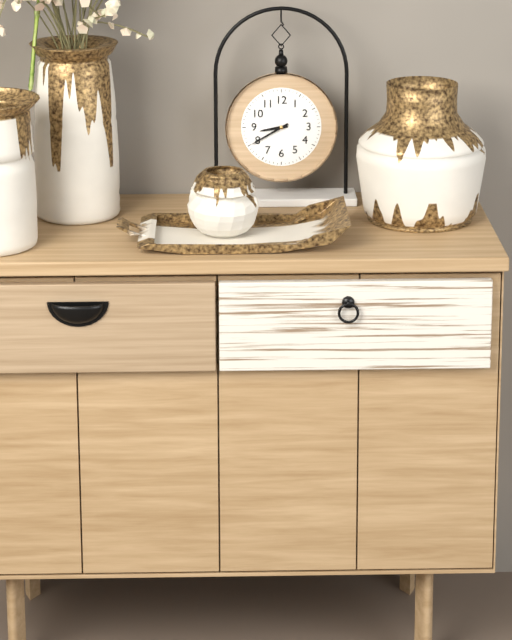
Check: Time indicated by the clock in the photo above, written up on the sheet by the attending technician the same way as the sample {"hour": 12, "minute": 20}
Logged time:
{"hour": 8, "minute": 40}
